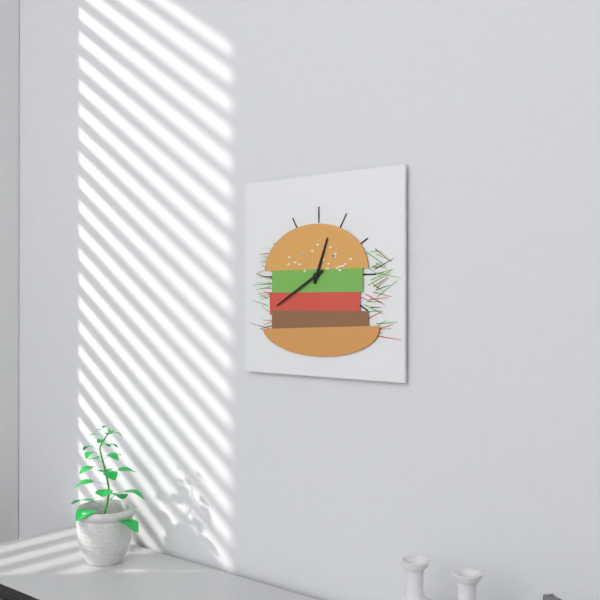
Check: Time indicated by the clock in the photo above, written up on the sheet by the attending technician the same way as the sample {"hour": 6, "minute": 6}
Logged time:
{"hour": 12, "minute": 40}
